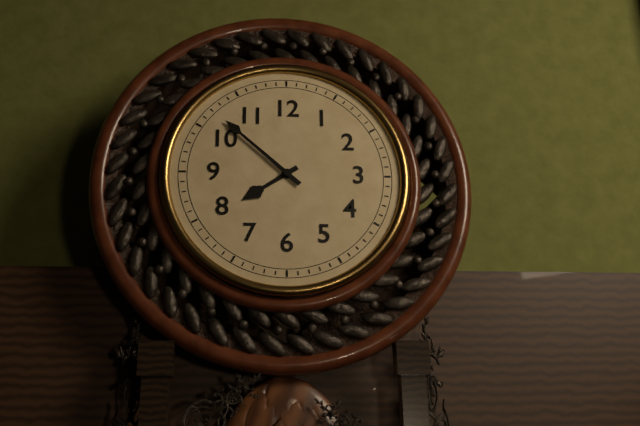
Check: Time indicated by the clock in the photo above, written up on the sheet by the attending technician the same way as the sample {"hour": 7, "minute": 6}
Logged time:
{"hour": 7, "minute": 52}
